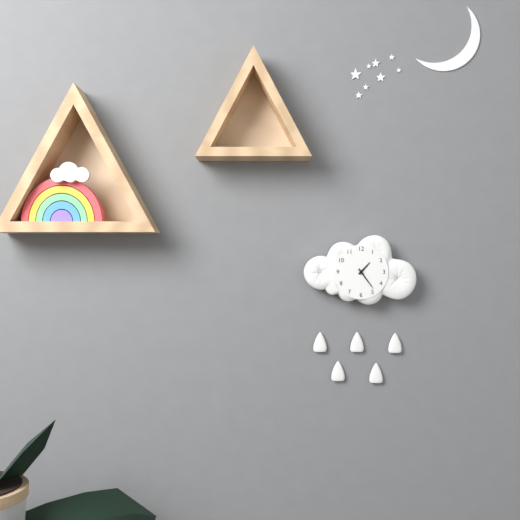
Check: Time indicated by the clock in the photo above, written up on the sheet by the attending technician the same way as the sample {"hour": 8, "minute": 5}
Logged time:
{"hour": 1, "minute": 24}
